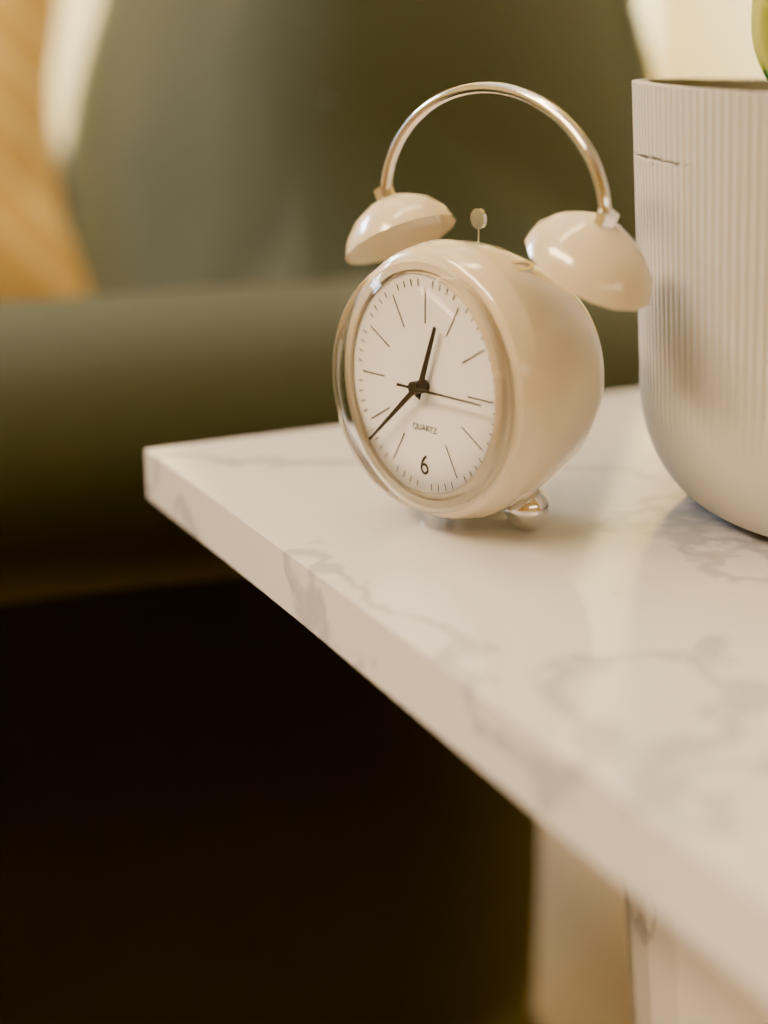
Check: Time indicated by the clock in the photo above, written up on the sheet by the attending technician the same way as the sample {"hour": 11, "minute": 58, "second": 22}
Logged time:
{"hour": 12, "minute": 38, "second": 15}
